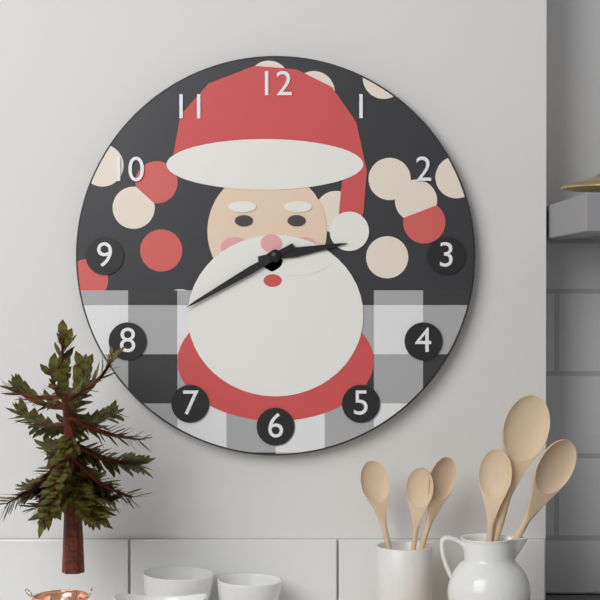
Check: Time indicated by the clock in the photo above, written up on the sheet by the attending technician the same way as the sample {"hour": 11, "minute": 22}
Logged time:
{"hour": 2, "minute": 40}
